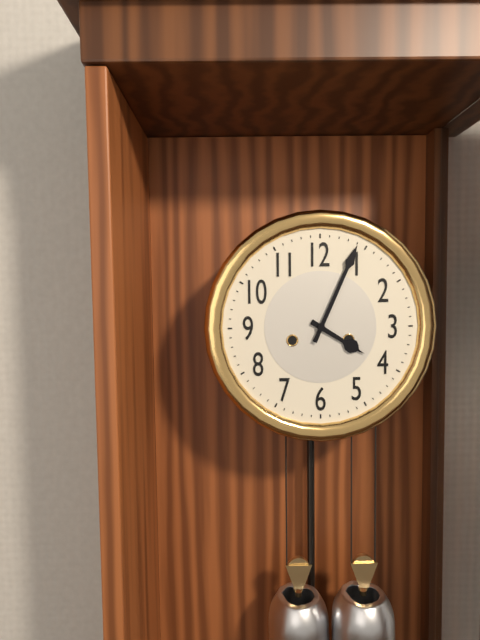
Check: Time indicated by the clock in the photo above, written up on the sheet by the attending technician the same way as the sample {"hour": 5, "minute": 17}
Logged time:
{"hour": 4, "minute": 4}
